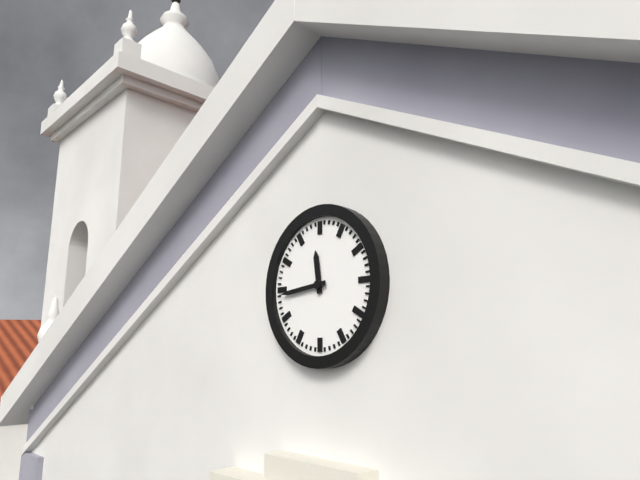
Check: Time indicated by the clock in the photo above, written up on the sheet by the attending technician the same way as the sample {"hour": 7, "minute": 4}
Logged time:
{"hour": 11, "minute": 44}
